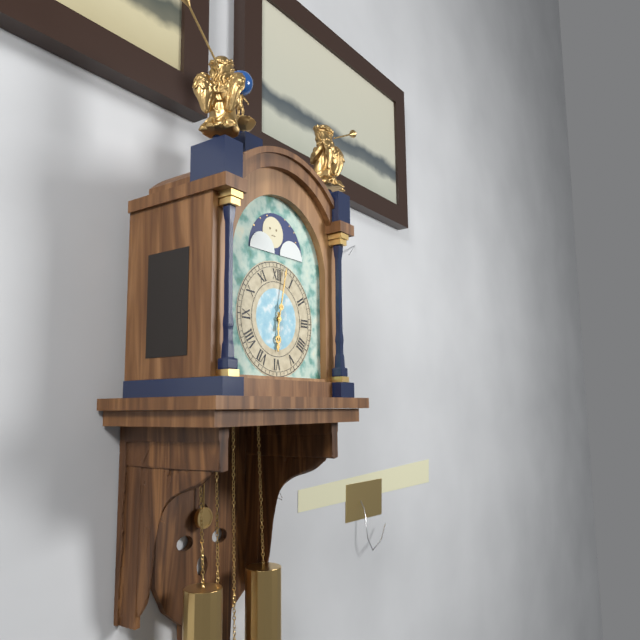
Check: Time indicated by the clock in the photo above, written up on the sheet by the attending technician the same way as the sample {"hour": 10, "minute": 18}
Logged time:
{"hour": 6, "minute": 2}
